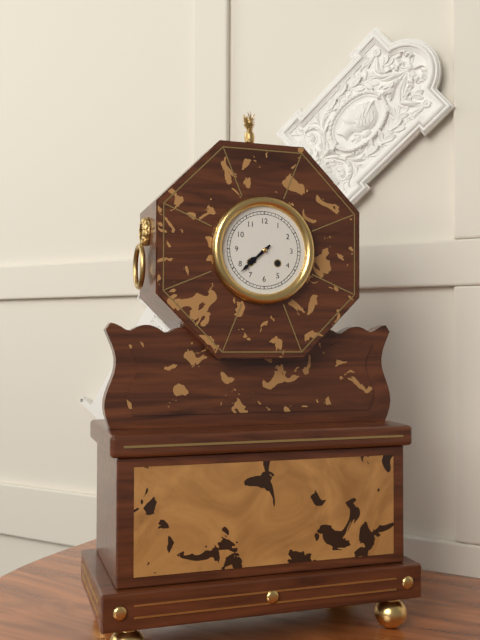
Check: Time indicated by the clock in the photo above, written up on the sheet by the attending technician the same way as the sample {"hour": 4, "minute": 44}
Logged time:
{"hour": 7, "minute": 38}
